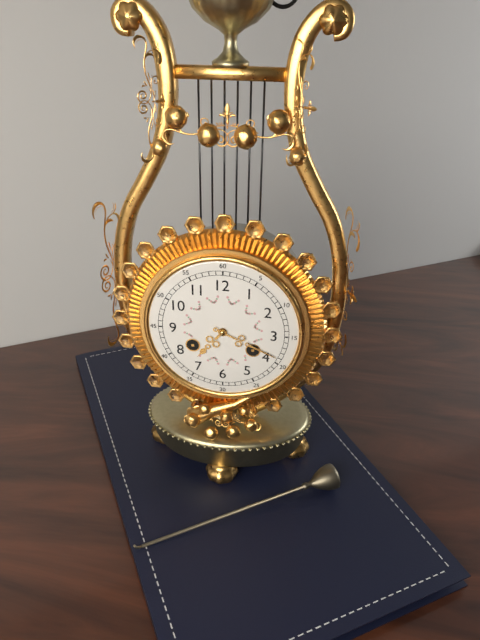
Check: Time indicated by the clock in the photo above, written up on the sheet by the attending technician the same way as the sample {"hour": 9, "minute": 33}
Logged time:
{"hour": 7, "minute": 19}
